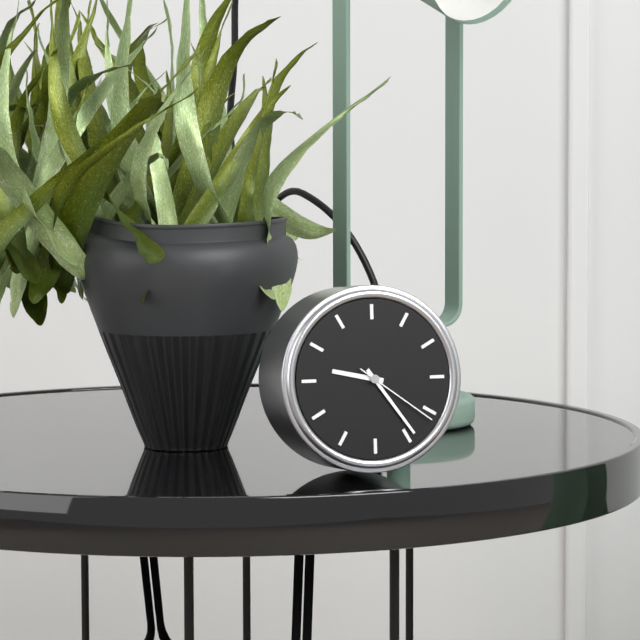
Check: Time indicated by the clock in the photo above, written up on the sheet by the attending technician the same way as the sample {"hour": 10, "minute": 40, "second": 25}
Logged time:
{"hour": 9, "minute": 24, "second": 21}
